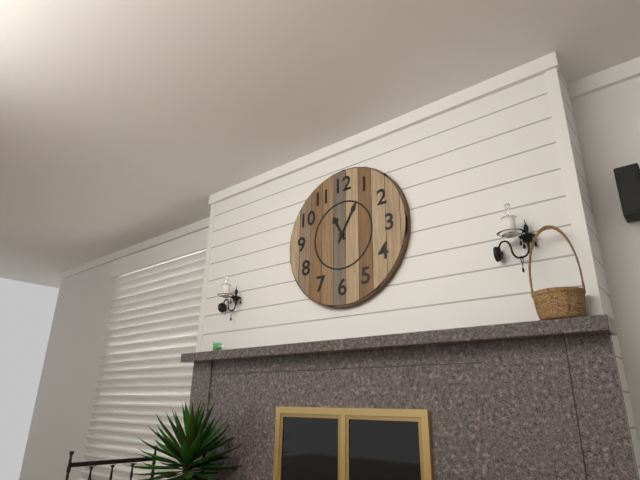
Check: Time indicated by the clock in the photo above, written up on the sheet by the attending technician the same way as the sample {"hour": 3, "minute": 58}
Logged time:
{"hour": 11, "minute": 5}
